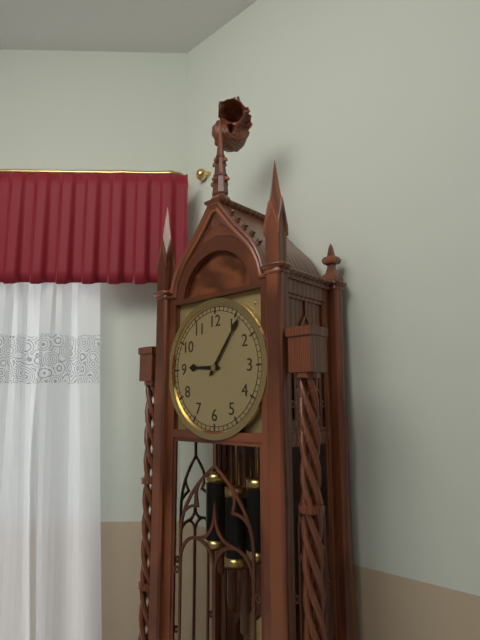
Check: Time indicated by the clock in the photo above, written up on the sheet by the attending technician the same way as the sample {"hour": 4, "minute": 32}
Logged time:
{"hour": 9, "minute": 6}
